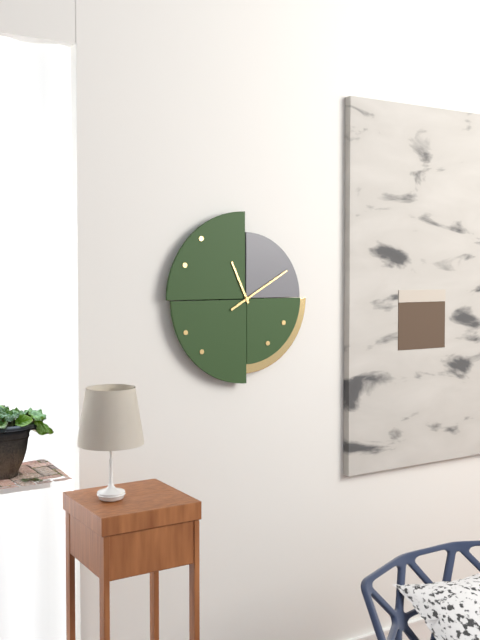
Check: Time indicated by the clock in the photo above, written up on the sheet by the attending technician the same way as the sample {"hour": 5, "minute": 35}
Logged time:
{"hour": 11, "minute": 10}
